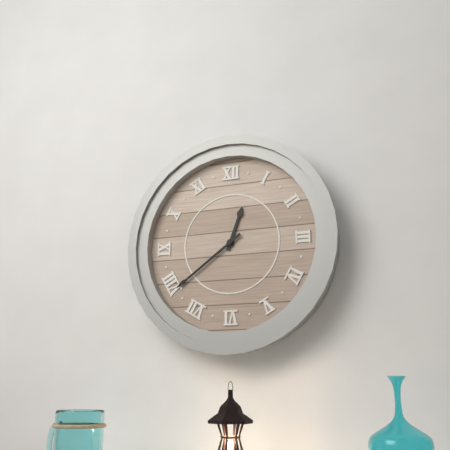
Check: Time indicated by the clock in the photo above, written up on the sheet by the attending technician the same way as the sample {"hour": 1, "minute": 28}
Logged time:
{"hour": 12, "minute": 39}
